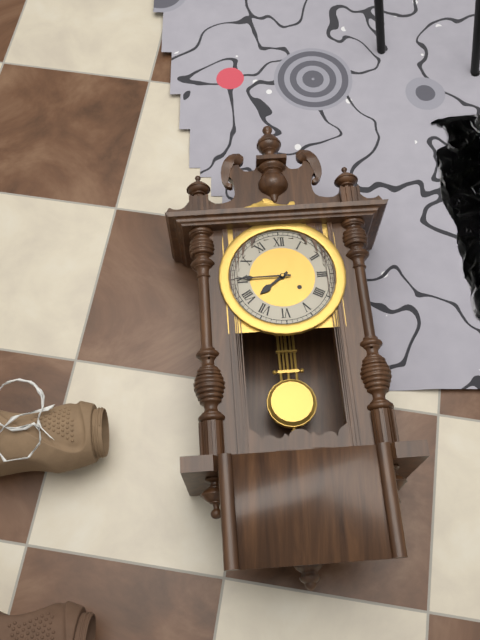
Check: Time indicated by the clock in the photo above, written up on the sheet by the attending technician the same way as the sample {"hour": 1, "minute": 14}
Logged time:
{"hour": 7, "minute": 45}
